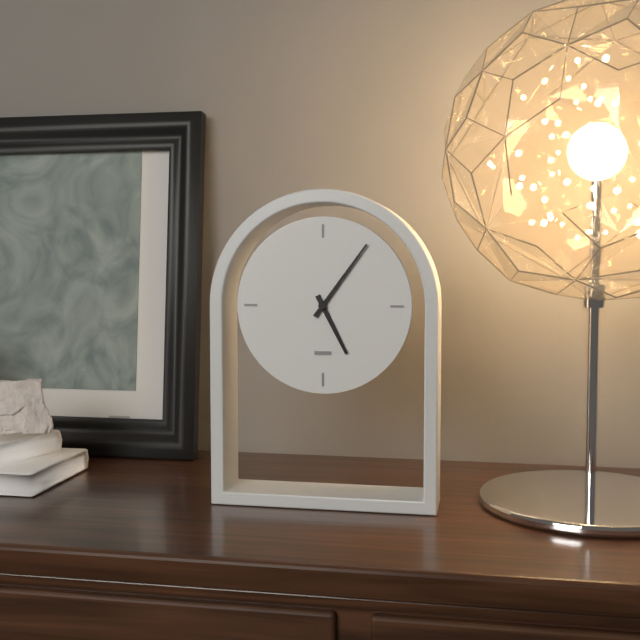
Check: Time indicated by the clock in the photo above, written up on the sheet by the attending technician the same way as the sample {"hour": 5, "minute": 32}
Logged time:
{"hour": 5, "minute": 6}
